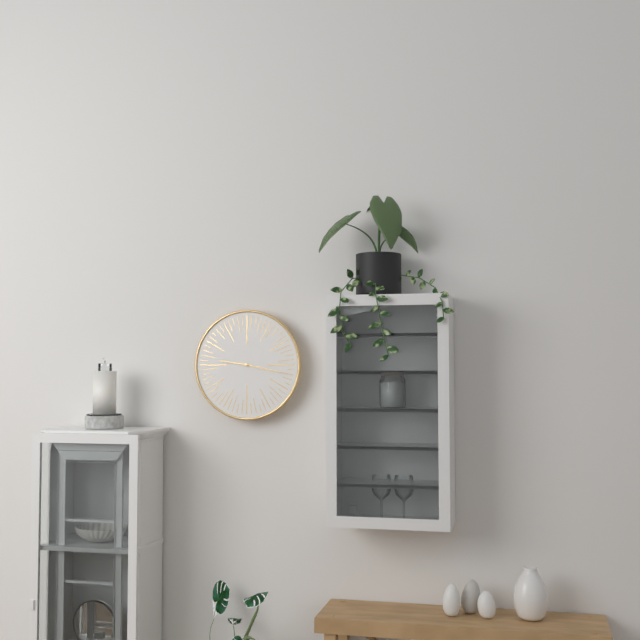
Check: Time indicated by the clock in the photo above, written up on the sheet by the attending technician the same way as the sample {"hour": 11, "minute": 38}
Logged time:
{"hour": 9, "minute": 17}
